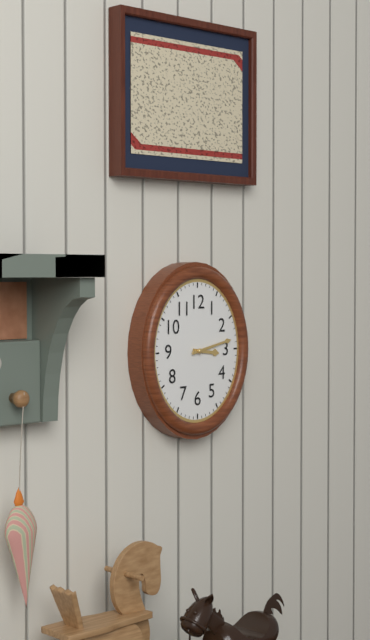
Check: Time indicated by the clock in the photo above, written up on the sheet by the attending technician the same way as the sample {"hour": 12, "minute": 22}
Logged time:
{"hour": 3, "minute": 13}
